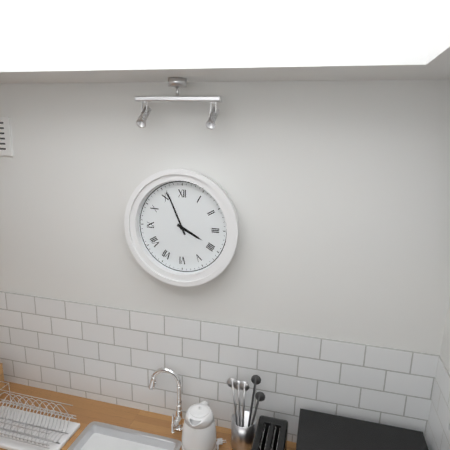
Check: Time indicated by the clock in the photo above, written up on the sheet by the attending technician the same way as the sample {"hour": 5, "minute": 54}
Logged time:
{"hour": 3, "minute": 56}
